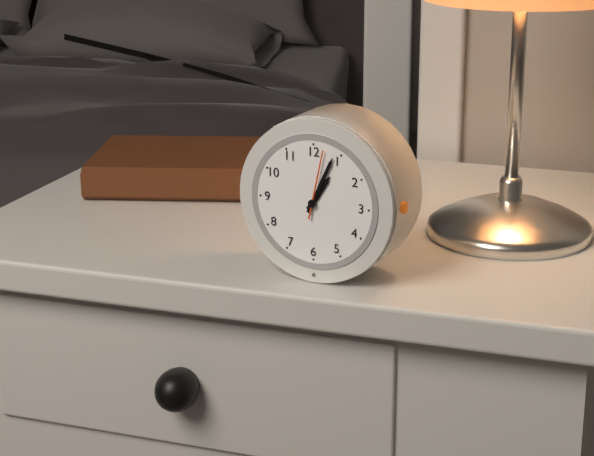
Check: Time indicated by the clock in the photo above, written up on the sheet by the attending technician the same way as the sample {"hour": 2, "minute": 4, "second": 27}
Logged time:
{"hour": 1, "minute": 4, "second": 2}
